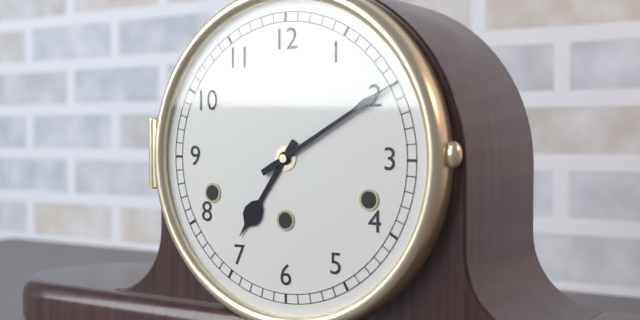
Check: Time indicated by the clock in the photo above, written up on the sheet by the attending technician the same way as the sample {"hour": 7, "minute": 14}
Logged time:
{"hour": 7, "minute": 10}
